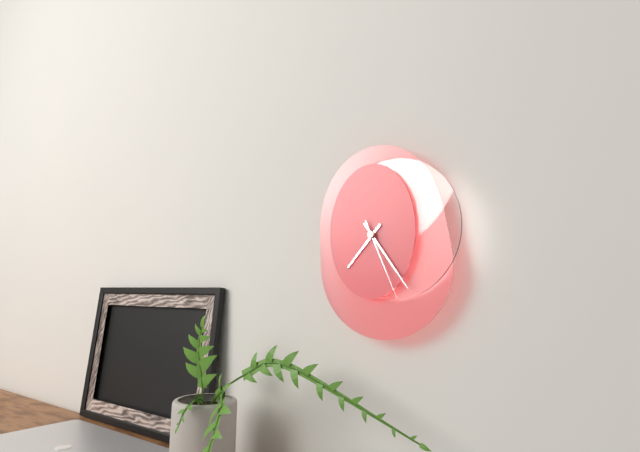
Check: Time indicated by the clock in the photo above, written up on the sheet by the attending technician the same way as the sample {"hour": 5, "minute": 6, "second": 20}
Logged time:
{"hour": 7, "minute": 24, "second": 26}
